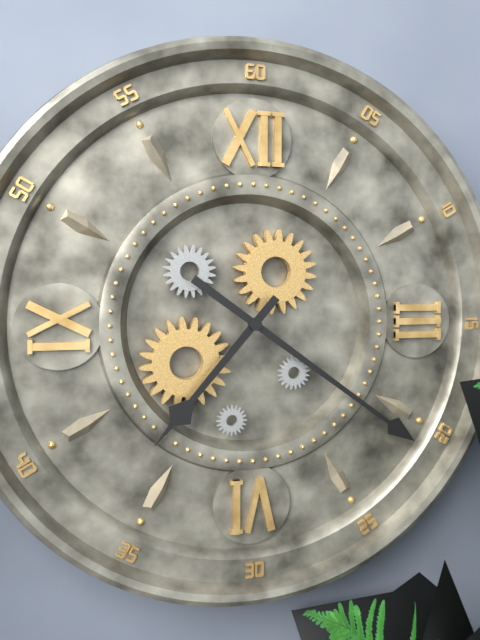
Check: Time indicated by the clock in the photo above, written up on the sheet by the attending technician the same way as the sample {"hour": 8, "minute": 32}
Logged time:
{"hour": 7, "minute": 21}
